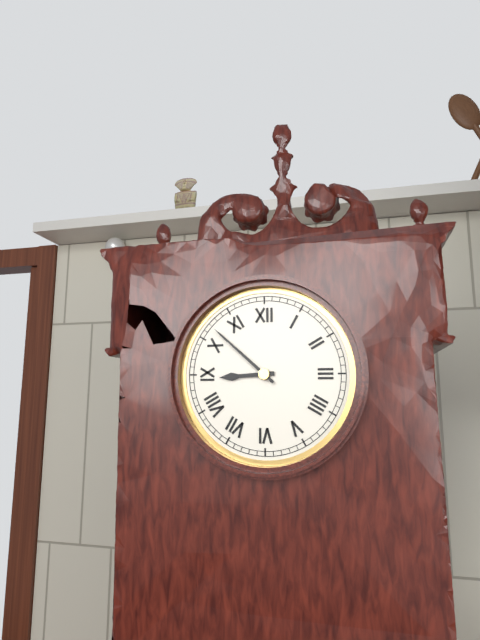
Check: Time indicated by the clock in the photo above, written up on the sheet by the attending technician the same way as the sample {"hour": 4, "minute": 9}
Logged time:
{"hour": 8, "minute": 52}
